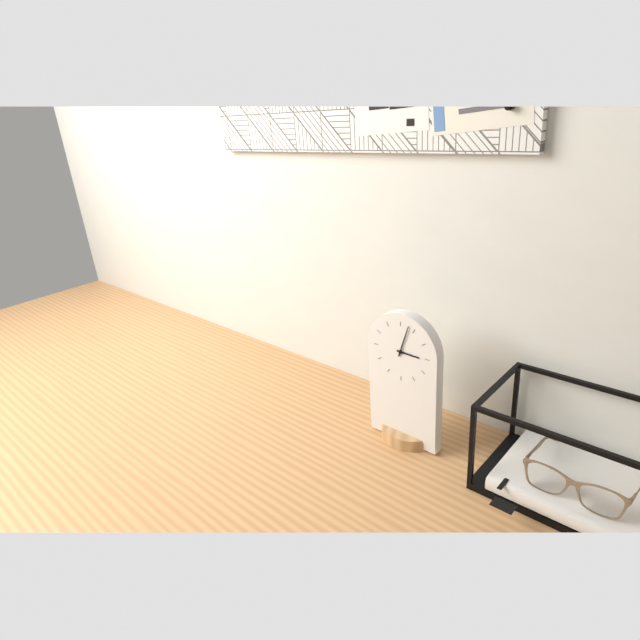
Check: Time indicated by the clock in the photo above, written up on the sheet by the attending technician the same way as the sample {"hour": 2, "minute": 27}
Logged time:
{"hour": 3, "minute": 3}
